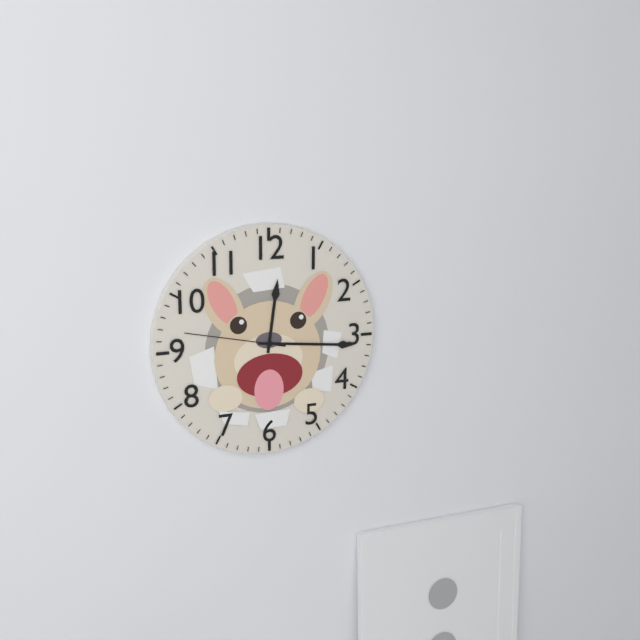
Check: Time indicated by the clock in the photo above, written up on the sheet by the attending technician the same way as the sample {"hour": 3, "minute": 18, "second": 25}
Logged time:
{"hour": 12, "minute": 16, "second": 47}
